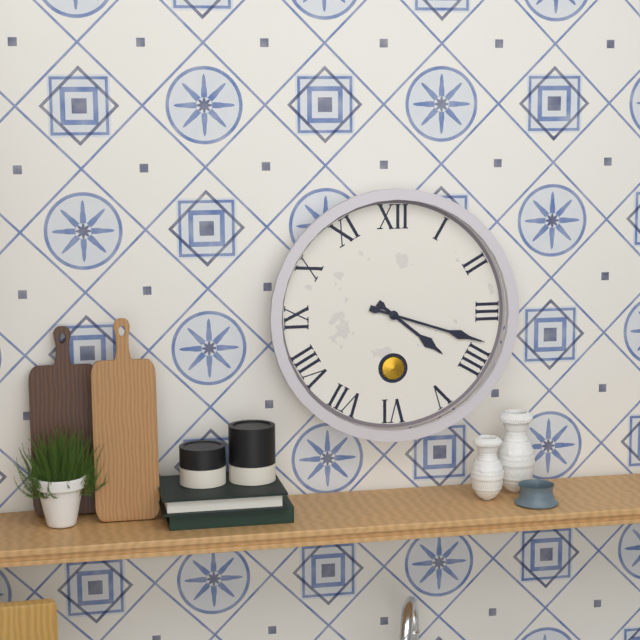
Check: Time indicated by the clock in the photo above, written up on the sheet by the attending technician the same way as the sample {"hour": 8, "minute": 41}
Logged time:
{"hour": 4, "minute": 18}
